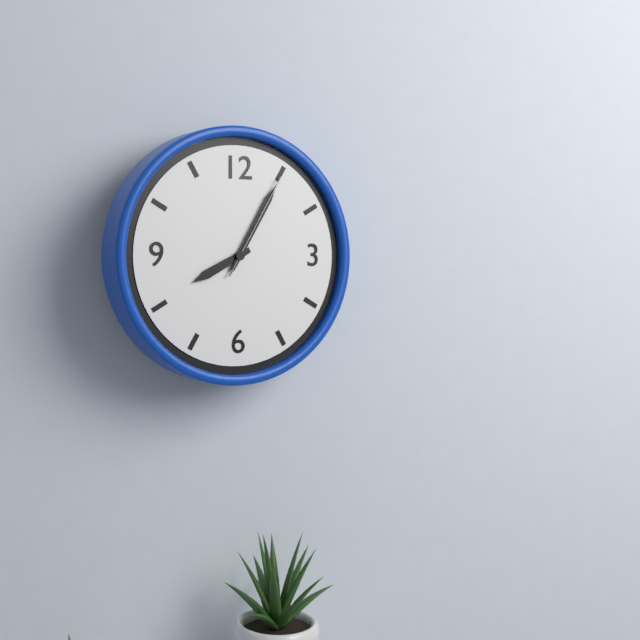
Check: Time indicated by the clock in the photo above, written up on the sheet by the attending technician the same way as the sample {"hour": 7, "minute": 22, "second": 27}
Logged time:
{"hour": 8, "minute": 5, "second": 5}
